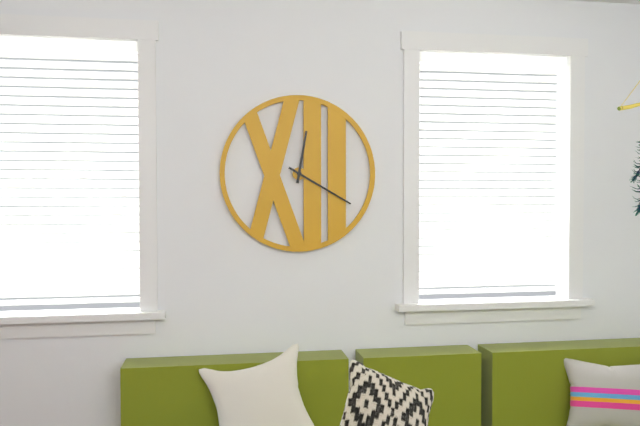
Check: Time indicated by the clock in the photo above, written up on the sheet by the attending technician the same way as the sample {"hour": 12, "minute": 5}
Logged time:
{"hour": 12, "minute": 20}
